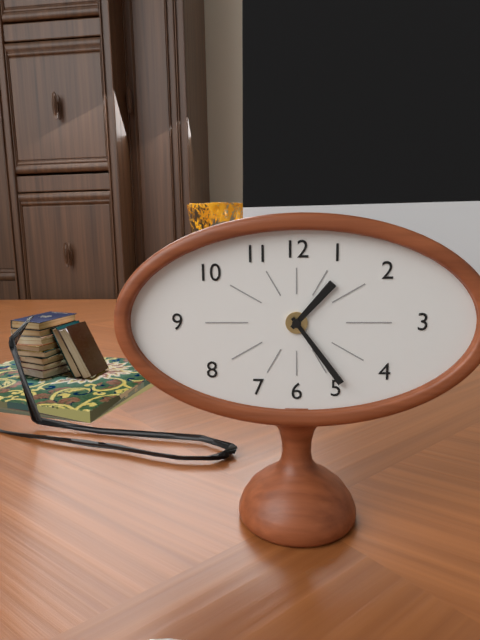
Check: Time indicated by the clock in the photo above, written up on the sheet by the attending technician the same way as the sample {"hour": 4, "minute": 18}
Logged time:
{"hour": 1, "minute": 24}
